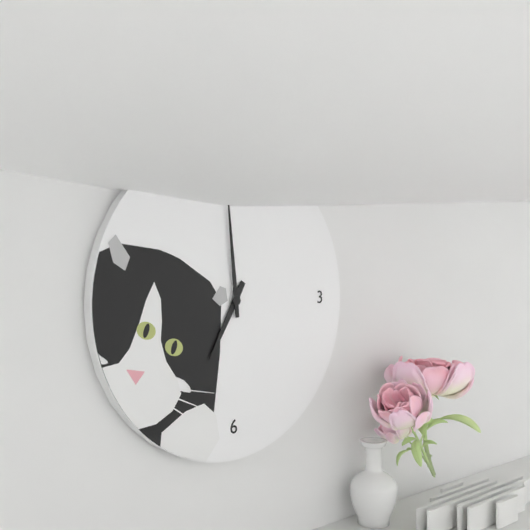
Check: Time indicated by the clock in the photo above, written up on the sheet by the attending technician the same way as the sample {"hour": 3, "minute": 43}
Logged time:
{"hour": 6, "minute": 59}
